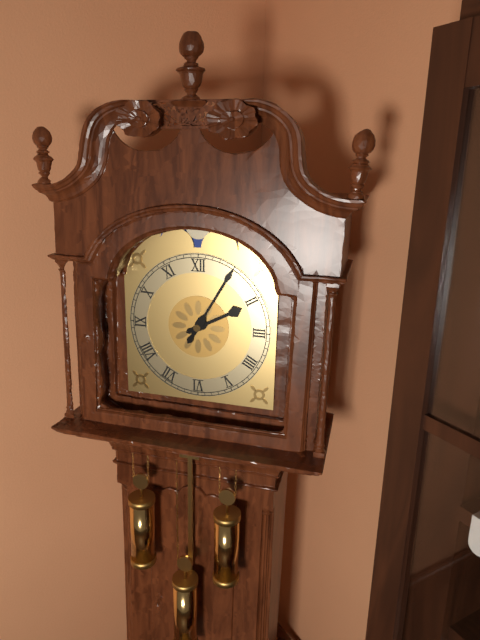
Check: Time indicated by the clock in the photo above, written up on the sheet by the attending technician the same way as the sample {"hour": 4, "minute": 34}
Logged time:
{"hour": 2, "minute": 5}
